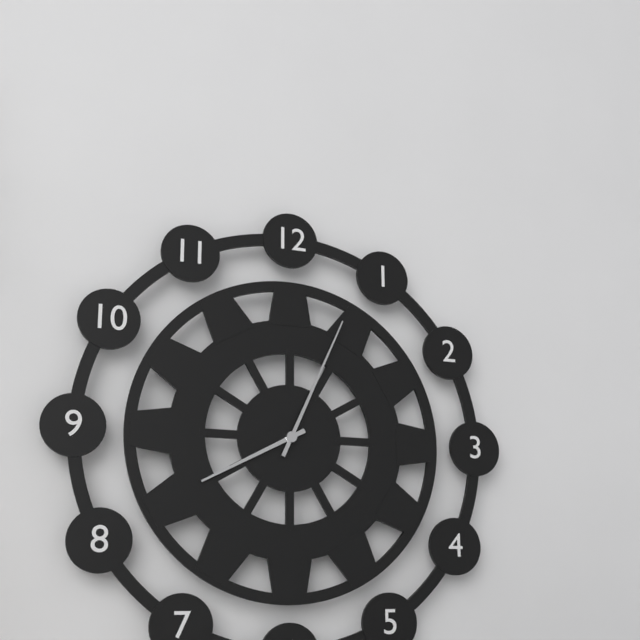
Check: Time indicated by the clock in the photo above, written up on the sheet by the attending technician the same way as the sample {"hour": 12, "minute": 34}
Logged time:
{"hour": 8, "minute": 4}
